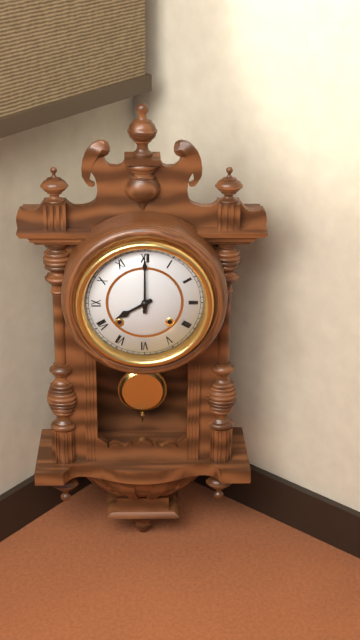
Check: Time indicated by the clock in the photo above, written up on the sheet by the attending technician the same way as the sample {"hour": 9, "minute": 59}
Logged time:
{"hour": 8, "minute": 0}
